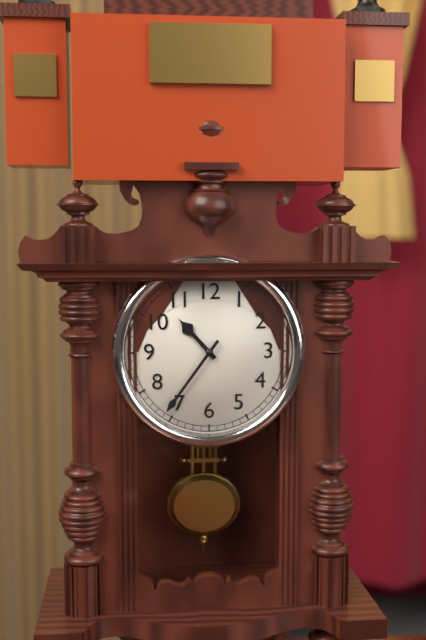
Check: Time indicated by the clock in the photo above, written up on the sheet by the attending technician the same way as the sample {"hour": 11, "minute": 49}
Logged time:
{"hour": 10, "minute": 36}
